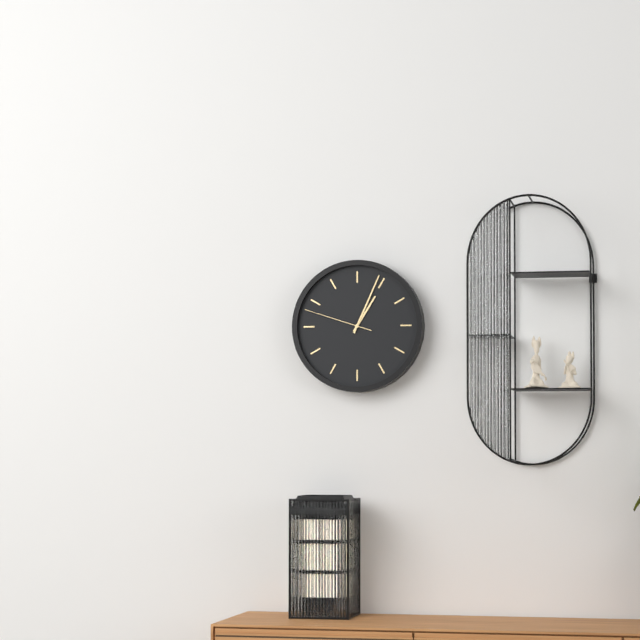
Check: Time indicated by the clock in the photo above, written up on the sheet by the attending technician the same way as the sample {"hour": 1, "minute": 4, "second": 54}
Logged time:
{"hour": 1, "minute": 4, "second": 48}
